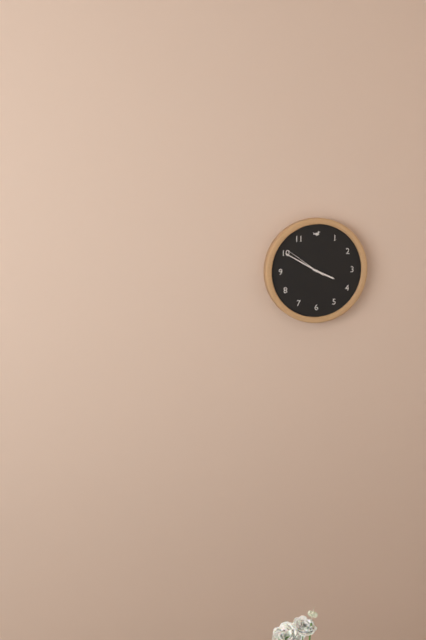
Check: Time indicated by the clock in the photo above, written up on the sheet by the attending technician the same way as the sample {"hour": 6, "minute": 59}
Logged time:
{"hour": 3, "minute": 50}
